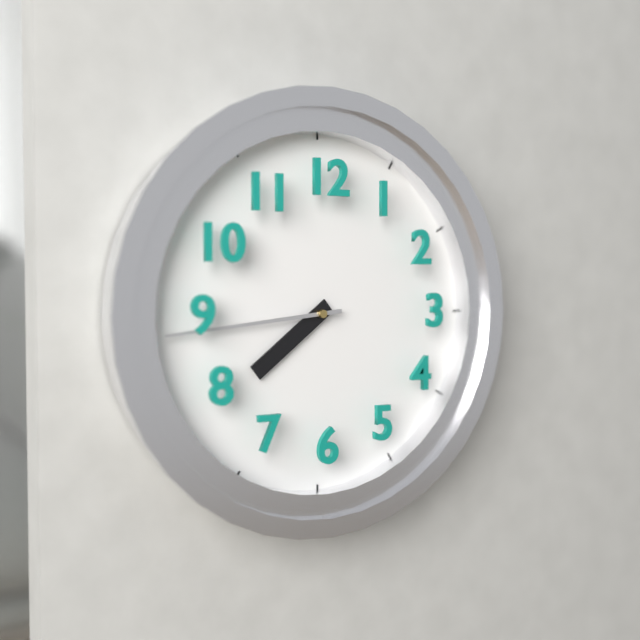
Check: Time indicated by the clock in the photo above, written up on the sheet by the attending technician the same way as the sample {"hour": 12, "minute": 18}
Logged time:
{"hour": 7, "minute": 44}
